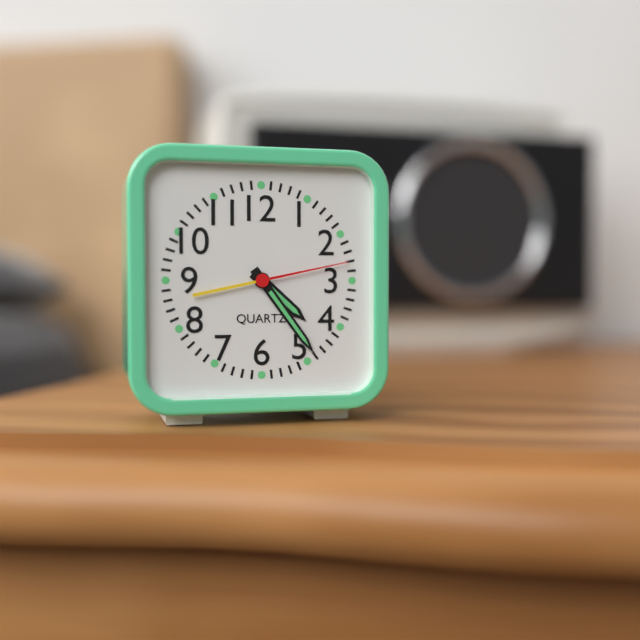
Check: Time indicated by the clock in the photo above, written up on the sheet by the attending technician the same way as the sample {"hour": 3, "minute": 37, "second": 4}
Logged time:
{"hour": 4, "minute": 24, "second": 13}
